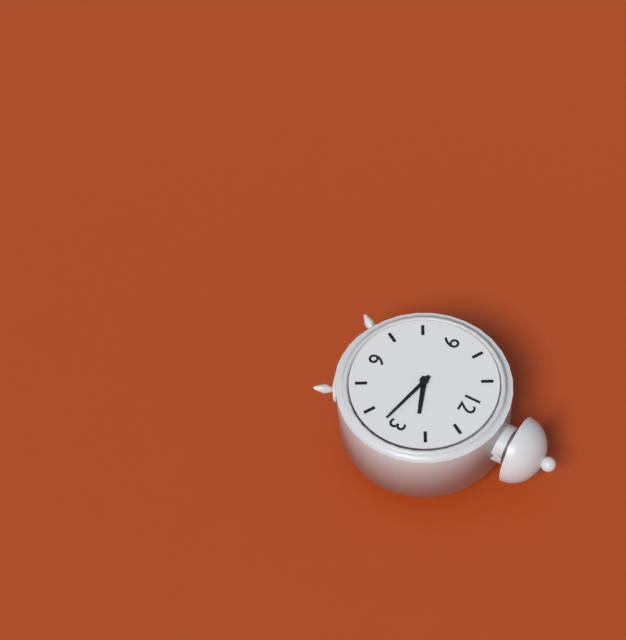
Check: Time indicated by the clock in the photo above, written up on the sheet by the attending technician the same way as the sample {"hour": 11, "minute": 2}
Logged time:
{"hour": 2, "minute": 17}
